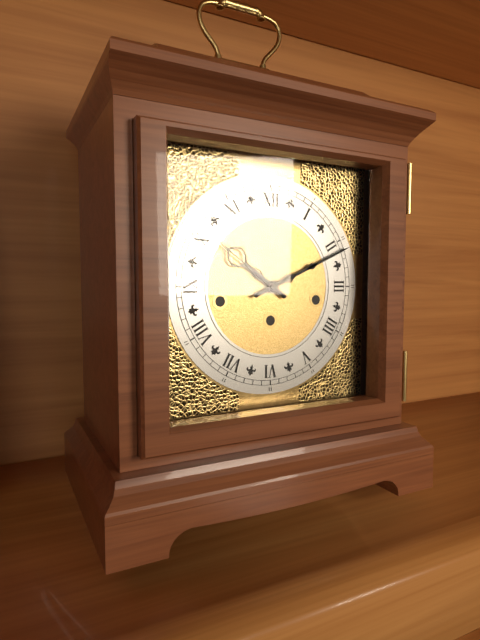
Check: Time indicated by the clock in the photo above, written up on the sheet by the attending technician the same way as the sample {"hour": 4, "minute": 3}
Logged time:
{"hour": 10, "minute": 11}
